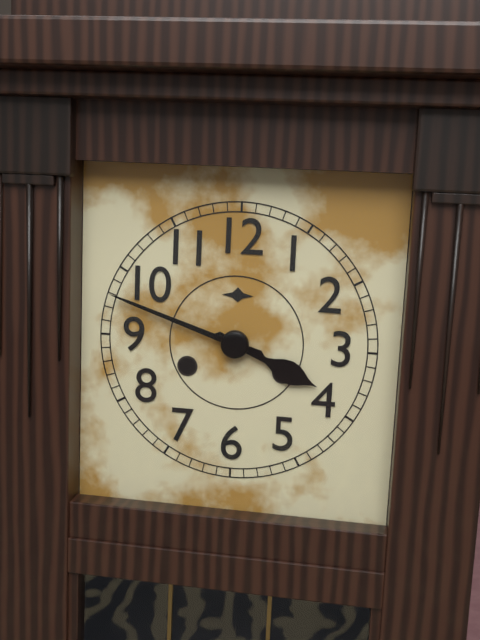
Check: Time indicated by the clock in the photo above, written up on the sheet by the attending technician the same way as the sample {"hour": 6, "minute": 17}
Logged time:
{"hour": 3, "minute": 48}
